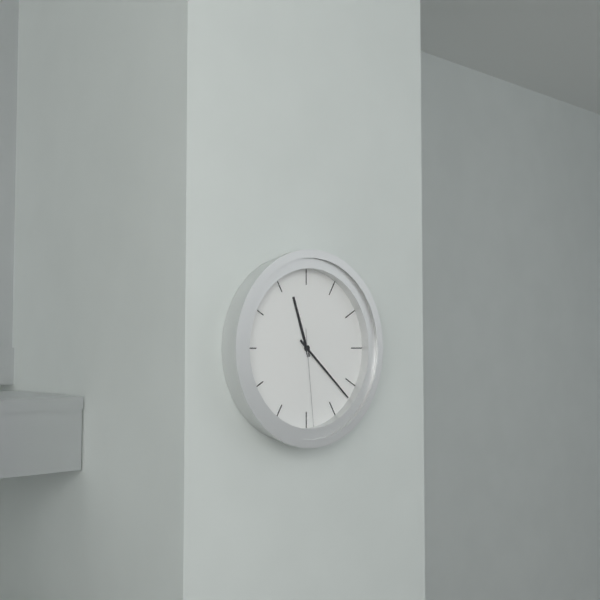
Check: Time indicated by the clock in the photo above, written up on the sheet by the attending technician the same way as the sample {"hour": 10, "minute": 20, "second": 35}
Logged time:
{"hour": 11, "minute": 22, "second": 29}
